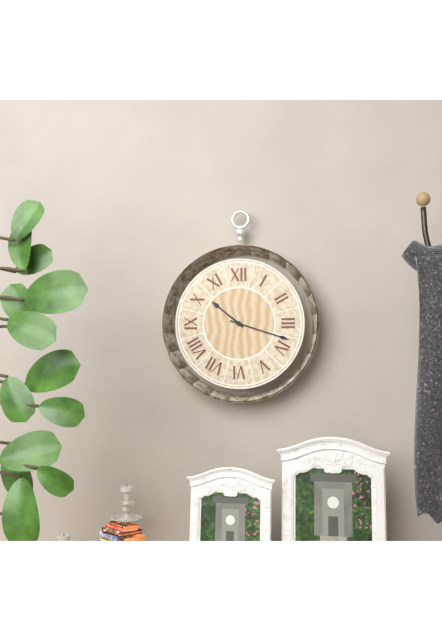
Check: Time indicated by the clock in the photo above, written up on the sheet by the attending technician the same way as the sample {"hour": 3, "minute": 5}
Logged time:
{"hour": 10, "minute": 18}
